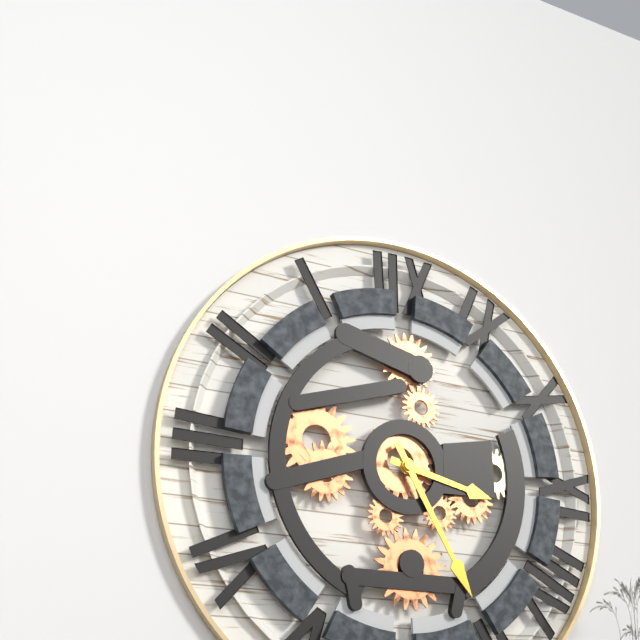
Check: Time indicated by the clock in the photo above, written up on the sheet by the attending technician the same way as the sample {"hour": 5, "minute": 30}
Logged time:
{"hour": 3, "minute": 25}
